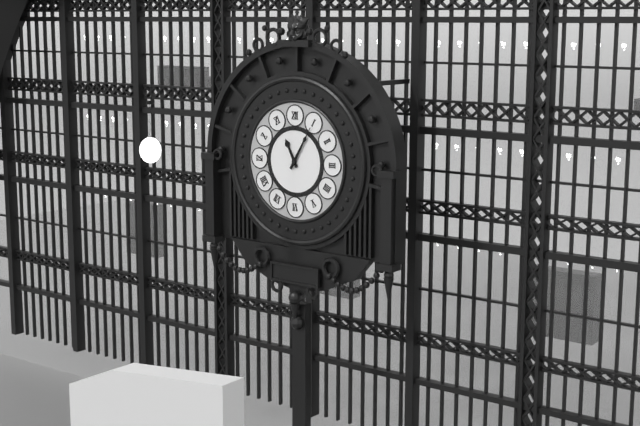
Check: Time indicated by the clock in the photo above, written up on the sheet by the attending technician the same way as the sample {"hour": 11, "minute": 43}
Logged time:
{"hour": 11, "minute": 5}
